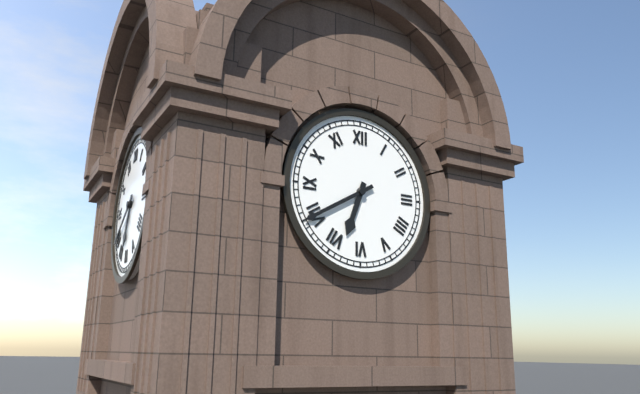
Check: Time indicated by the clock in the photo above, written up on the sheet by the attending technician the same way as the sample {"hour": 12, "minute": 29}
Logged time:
{"hour": 6, "minute": 40}
